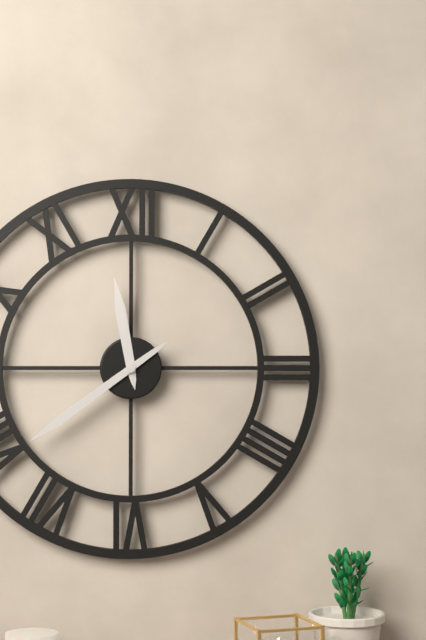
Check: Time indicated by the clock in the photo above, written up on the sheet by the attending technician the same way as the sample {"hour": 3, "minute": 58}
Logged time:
{"hour": 11, "minute": 39}
